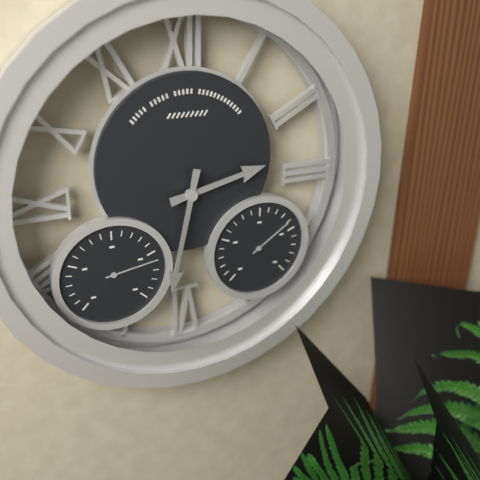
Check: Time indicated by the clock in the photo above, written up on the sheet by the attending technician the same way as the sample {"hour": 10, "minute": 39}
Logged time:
{"hour": 2, "minute": 32}
